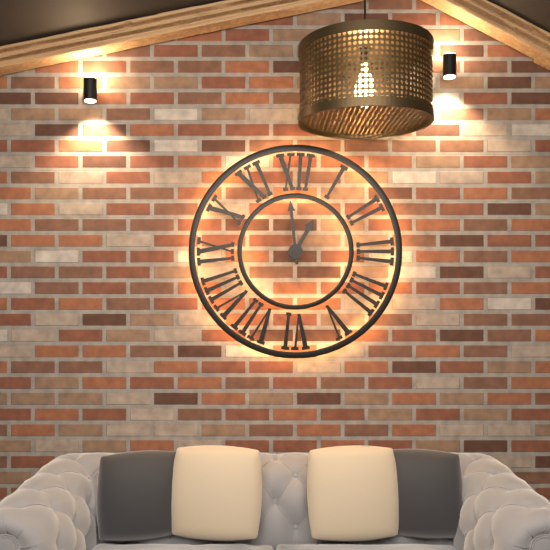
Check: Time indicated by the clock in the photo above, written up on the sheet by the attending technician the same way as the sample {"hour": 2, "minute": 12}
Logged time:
{"hour": 12, "minute": 59}
